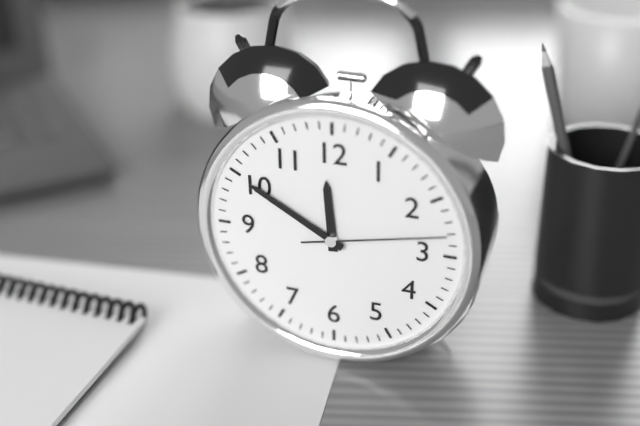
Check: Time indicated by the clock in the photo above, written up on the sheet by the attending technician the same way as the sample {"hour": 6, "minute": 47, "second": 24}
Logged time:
{"hour": 11, "minute": 50, "second": 13}
